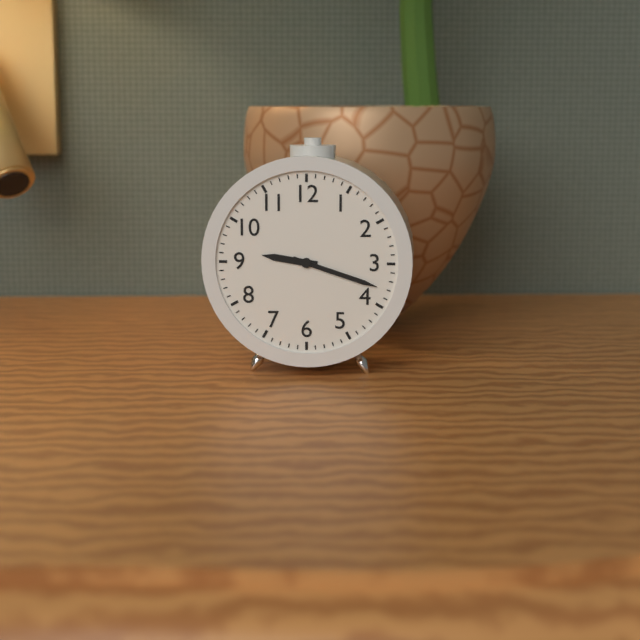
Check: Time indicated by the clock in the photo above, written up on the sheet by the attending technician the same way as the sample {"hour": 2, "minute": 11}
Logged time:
{"hour": 9, "minute": 18}
